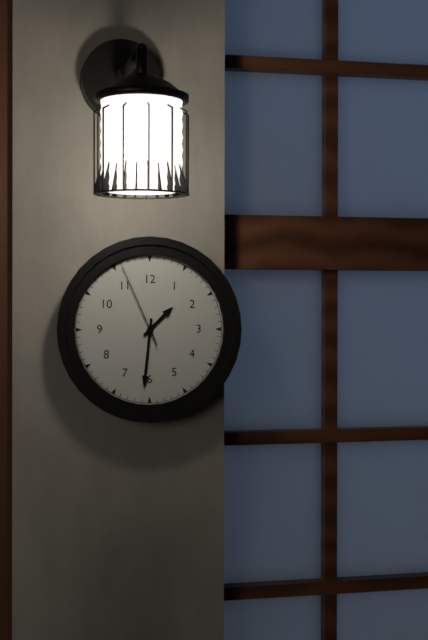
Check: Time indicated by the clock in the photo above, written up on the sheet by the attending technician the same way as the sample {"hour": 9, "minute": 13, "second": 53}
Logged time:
{"hour": 1, "minute": 31, "second": 56}
